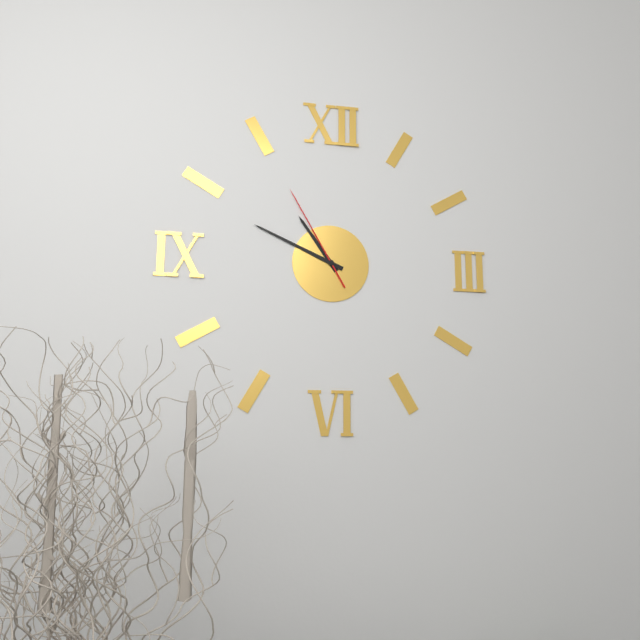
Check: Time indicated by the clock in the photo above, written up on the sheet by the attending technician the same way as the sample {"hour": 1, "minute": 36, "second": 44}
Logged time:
{"hour": 10, "minute": 49, "second": 55}
